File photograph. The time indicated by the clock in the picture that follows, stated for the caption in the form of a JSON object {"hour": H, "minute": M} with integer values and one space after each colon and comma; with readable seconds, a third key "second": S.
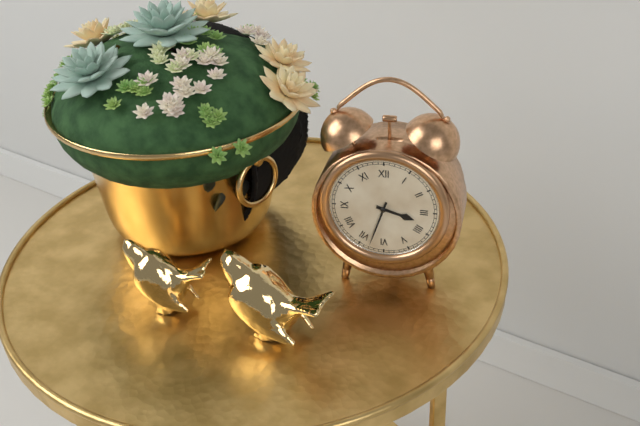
{"hour": 3, "minute": 33}
